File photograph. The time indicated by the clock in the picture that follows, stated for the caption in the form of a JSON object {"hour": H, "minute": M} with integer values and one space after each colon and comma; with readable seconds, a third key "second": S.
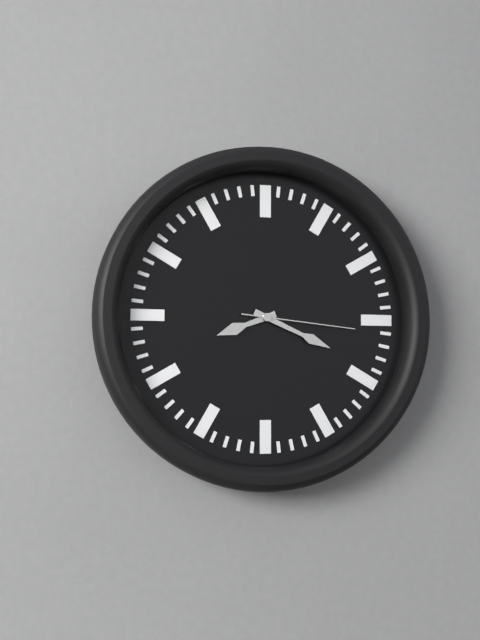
{"hour": 8, "minute": 19, "second": 16}
